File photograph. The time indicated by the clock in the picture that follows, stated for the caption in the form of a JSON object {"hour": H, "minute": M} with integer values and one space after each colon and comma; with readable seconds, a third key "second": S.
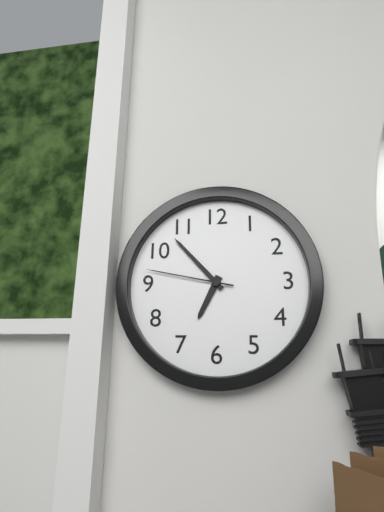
{"hour": 6, "minute": 53, "second": 47}
